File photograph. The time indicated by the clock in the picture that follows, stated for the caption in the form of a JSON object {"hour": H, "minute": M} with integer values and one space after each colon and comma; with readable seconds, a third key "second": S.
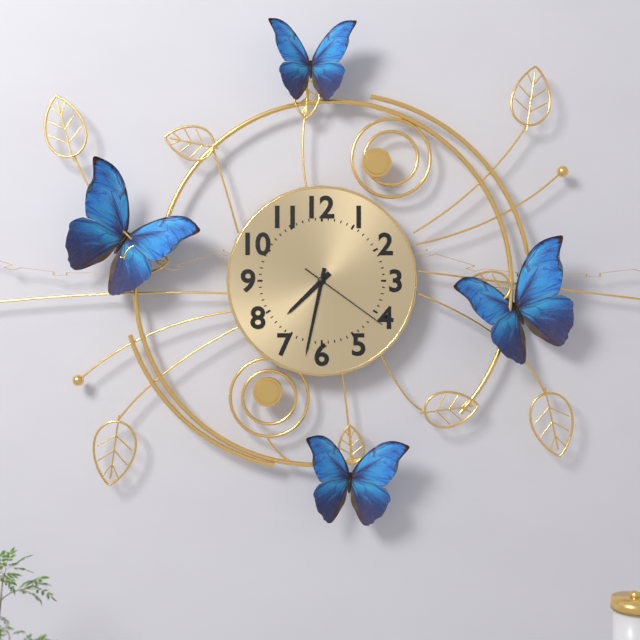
{"hour": 7, "minute": 32, "second": 21}
